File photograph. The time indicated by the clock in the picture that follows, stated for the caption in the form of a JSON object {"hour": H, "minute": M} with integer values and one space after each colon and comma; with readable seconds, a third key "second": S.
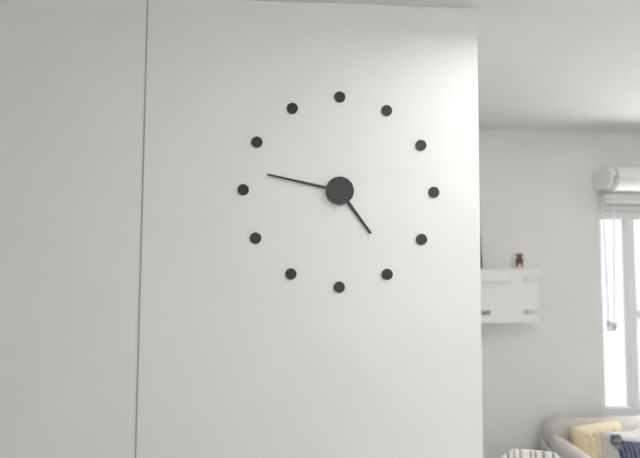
{"hour": 4, "minute": 47}
